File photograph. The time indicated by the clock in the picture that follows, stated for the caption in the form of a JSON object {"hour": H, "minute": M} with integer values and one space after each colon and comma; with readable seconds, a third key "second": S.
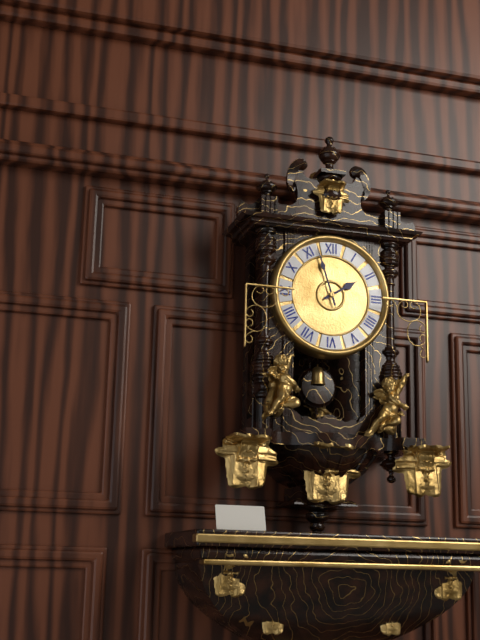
{"hour": 1, "minute": 57}
